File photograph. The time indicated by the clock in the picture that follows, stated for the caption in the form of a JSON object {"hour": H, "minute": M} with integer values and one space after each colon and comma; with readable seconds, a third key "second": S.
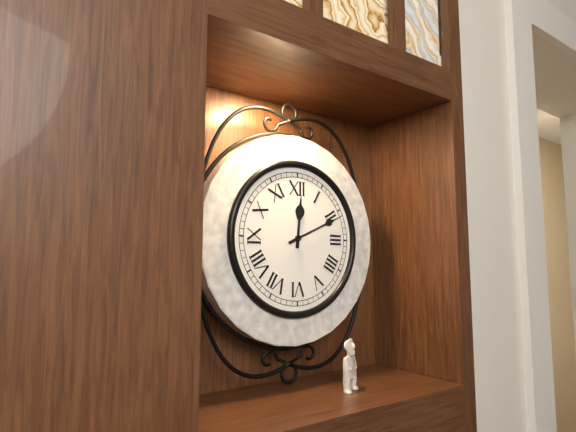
{"hour": 12, "minute": 11}
